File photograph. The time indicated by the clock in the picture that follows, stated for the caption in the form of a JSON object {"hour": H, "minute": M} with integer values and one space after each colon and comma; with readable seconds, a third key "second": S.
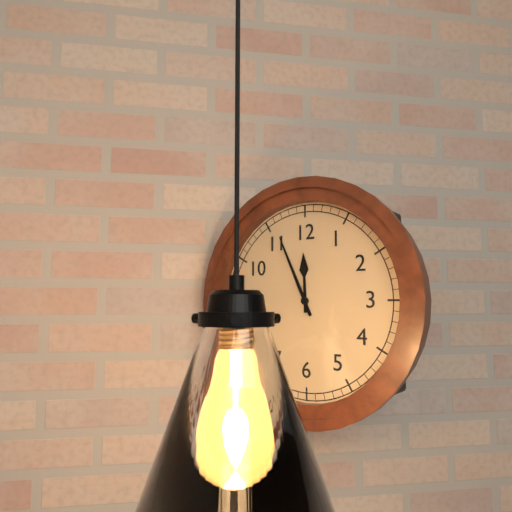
{"hour": 11, "minute": 56}
